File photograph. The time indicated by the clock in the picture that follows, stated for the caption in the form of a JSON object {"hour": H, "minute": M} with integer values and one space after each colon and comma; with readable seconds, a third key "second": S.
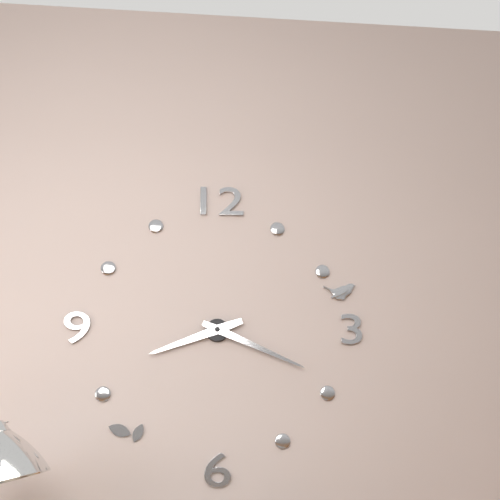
{"hour": 8, "minute": 19}
